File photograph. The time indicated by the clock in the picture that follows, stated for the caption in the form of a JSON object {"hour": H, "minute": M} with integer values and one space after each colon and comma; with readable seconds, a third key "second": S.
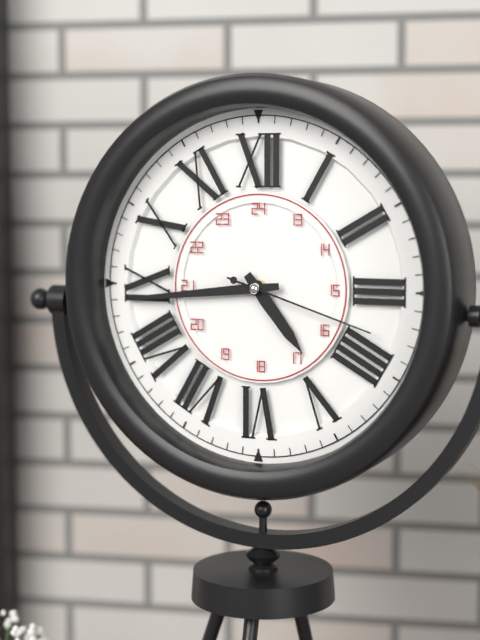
{"hour": 4, "minute": 44, "second": 18}
